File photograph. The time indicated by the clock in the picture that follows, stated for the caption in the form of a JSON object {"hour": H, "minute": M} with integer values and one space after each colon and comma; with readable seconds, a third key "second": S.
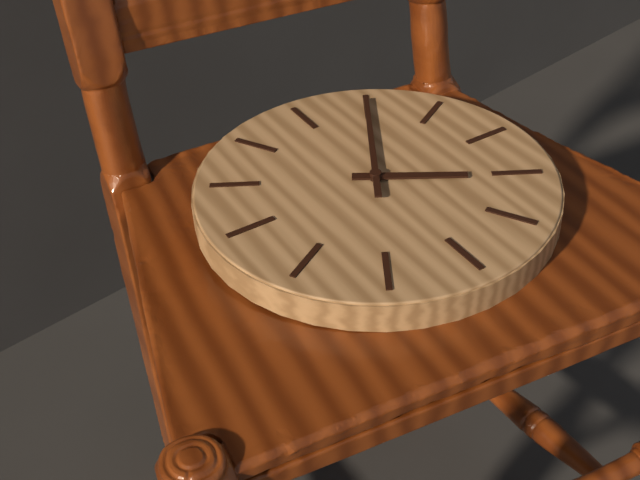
{"hour": 4, "minute": 5}
